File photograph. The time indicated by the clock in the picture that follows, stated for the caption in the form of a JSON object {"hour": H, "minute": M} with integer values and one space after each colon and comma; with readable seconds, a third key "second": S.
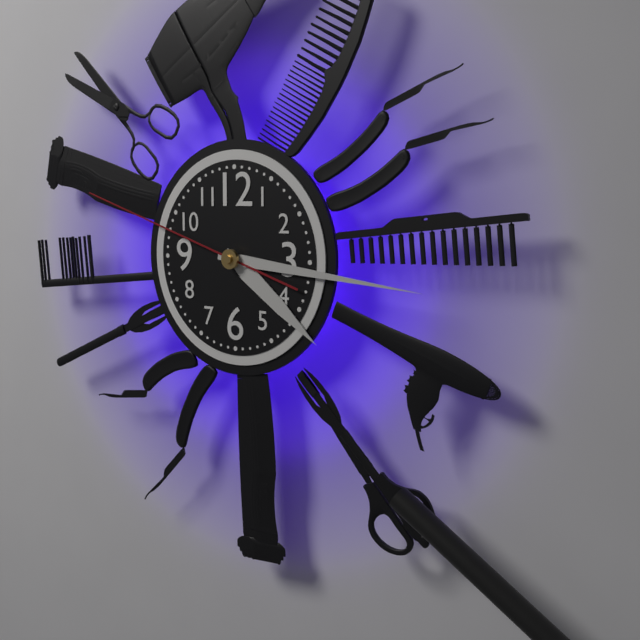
{"hour": 4, "minute": 16, "second": 48}
